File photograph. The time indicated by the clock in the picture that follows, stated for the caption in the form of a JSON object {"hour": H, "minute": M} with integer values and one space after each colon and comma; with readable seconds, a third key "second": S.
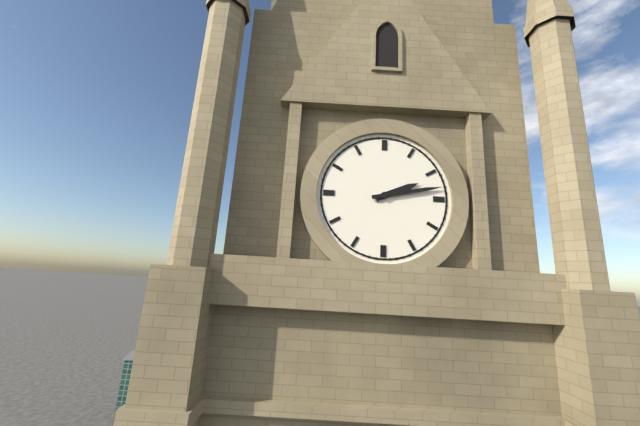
{"hour": 2, "minute": 13}
